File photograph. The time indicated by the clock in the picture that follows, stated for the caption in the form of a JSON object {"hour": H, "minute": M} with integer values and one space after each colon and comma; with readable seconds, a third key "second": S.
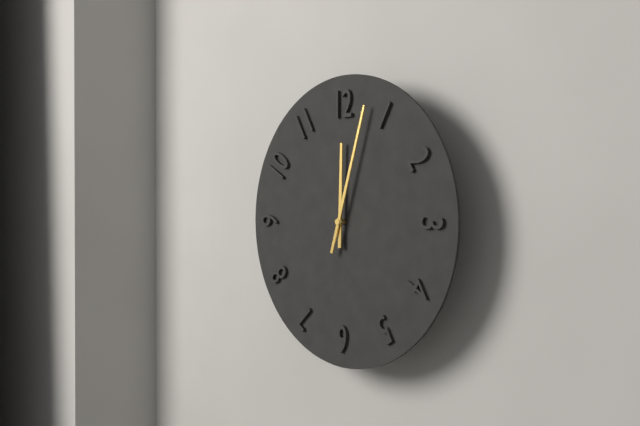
{"hour": 12, "minute": 3}
